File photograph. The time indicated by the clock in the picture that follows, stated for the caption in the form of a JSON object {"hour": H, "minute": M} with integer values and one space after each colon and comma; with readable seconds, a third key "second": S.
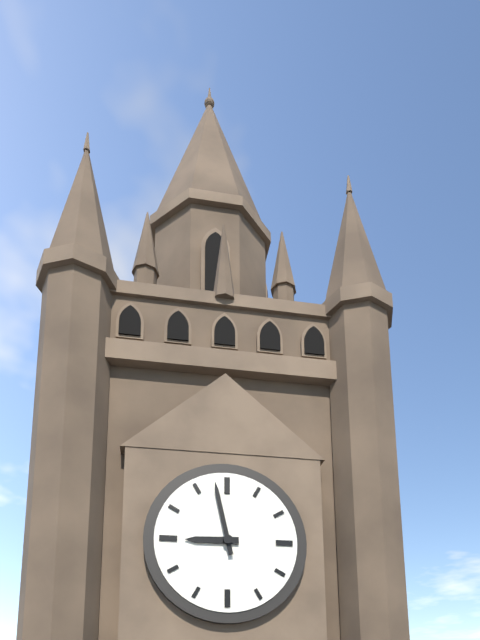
{"hour": 8, "minute": 58}
